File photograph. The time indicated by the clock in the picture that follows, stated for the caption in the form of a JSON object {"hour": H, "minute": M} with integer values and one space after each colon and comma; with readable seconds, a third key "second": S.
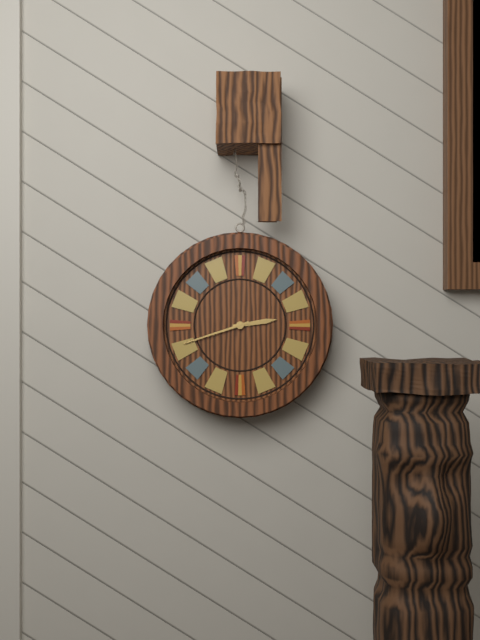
{"hour": 2, "minute": 42}
